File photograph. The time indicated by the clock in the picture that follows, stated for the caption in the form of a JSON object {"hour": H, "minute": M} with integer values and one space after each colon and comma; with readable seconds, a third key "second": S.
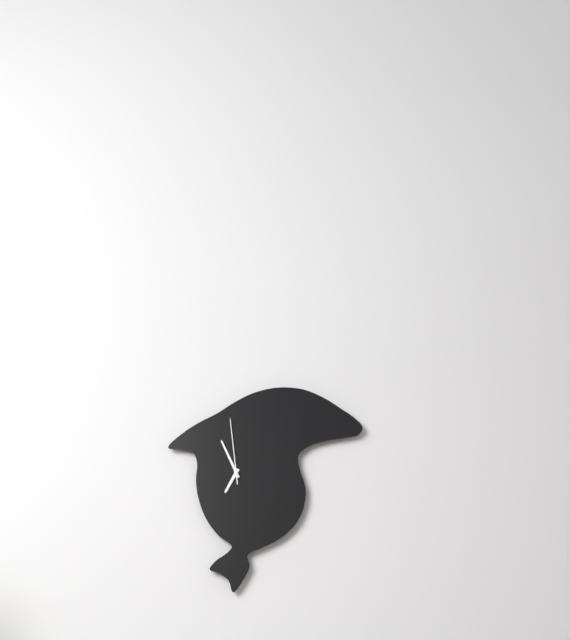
{"hour": 6, "minute": 56, "second": 59}
